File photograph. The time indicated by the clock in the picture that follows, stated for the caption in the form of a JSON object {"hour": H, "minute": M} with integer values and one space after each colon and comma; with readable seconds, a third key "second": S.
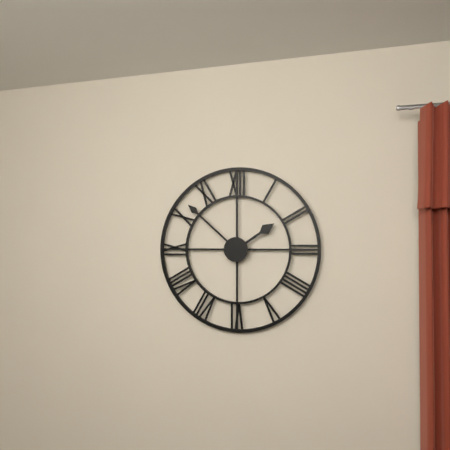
{"hour": 1, "minute": 52}
